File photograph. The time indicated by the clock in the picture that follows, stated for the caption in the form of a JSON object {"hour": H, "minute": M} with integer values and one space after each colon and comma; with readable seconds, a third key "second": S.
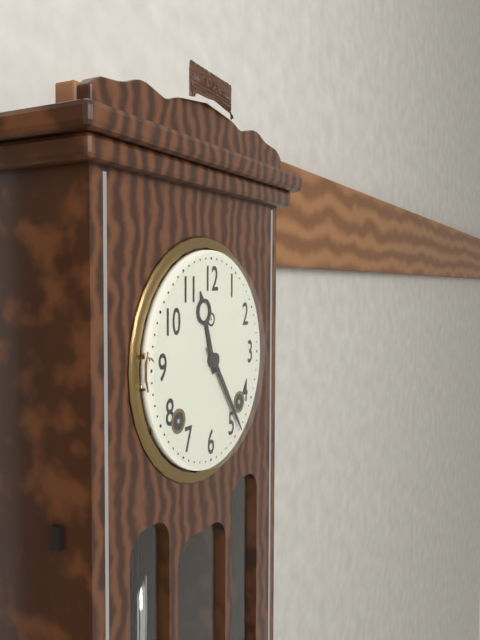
{"hour": 11, "minute": 24}
